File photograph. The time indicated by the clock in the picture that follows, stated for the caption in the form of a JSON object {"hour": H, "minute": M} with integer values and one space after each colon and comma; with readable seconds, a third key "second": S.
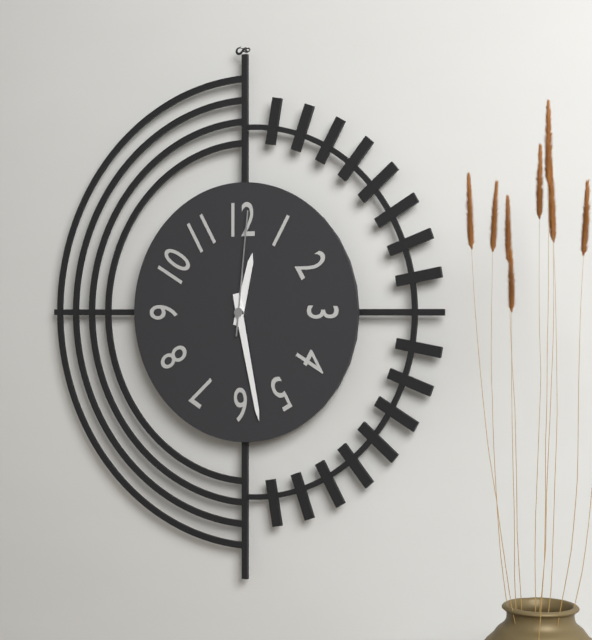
{"hour": 12, "minute": 28, "second": 1}
